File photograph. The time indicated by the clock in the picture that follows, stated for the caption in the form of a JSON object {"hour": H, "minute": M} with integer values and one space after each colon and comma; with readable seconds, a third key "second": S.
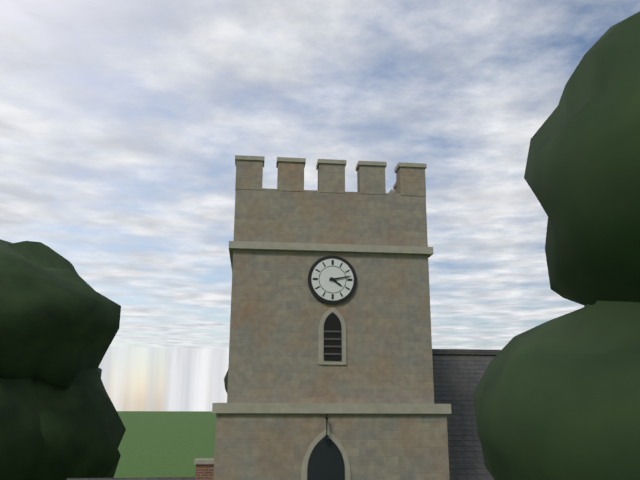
{"hour": 4, "minute": 13}
